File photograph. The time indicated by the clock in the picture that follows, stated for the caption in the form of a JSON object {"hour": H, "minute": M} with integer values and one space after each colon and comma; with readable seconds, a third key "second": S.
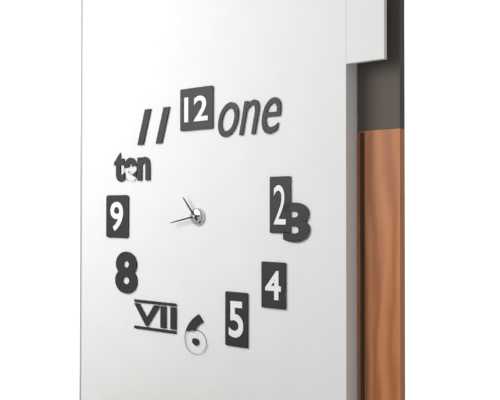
{"hour": 10, "minute": 43}
